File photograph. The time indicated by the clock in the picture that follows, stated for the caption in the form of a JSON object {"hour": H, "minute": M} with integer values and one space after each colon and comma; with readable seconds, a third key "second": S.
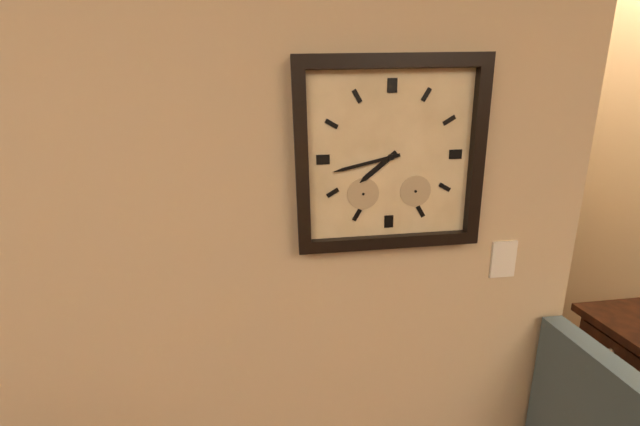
{"hour": 7, "minute": 43}
